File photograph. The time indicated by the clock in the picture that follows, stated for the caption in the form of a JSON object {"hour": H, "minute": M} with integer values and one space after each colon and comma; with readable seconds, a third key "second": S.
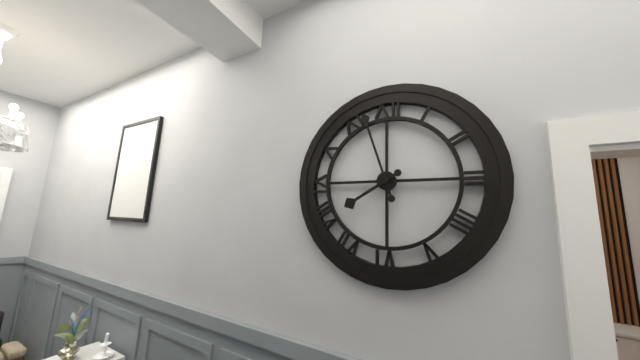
{"hour": 7, "minute": 57}
